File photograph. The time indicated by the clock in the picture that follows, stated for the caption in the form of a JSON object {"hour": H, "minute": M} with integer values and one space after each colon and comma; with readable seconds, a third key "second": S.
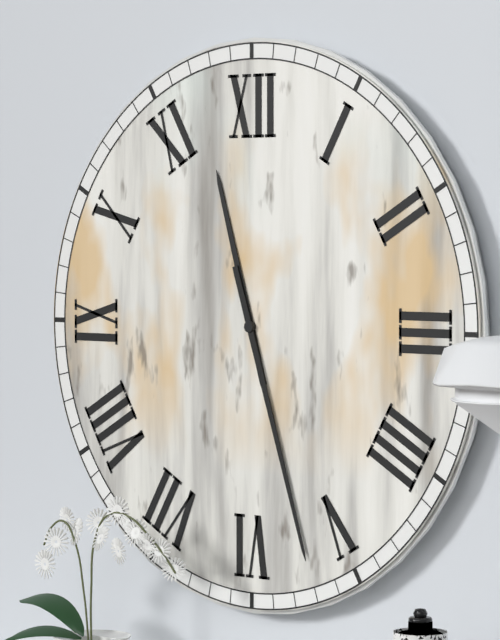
{"hour": 11, "minute": 27}
